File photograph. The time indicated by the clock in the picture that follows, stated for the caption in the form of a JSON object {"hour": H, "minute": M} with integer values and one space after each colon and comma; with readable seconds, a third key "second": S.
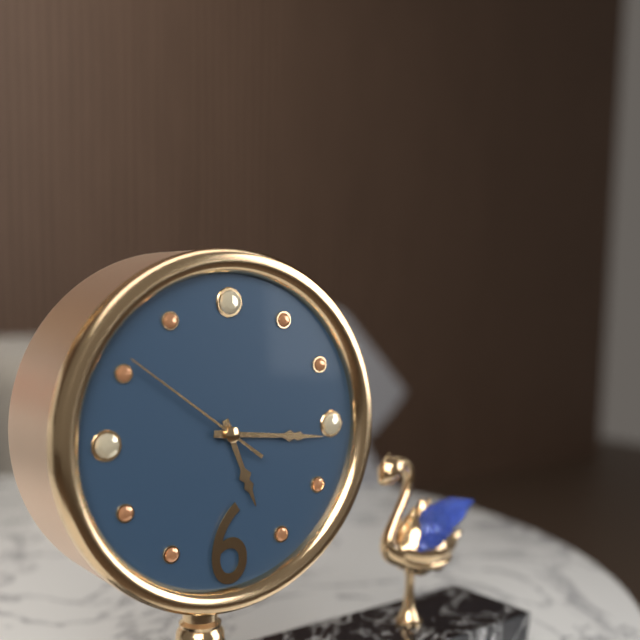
{"hour": 5, "minute": 16, "second": 51}
